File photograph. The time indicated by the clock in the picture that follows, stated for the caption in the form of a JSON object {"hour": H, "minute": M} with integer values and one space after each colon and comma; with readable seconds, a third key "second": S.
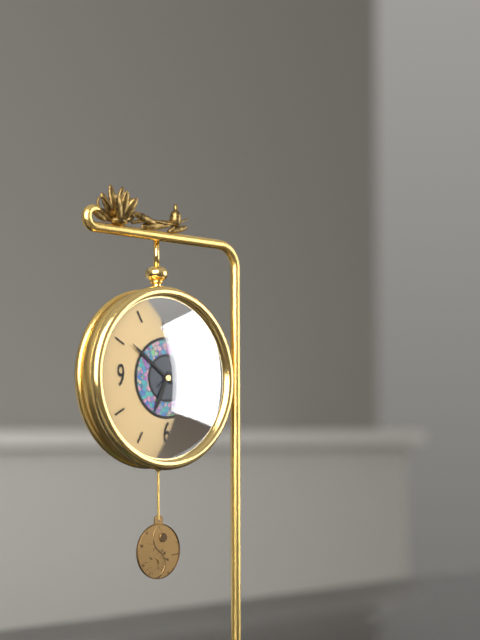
{"hour": 6, "minute": 51, "second": 8}
